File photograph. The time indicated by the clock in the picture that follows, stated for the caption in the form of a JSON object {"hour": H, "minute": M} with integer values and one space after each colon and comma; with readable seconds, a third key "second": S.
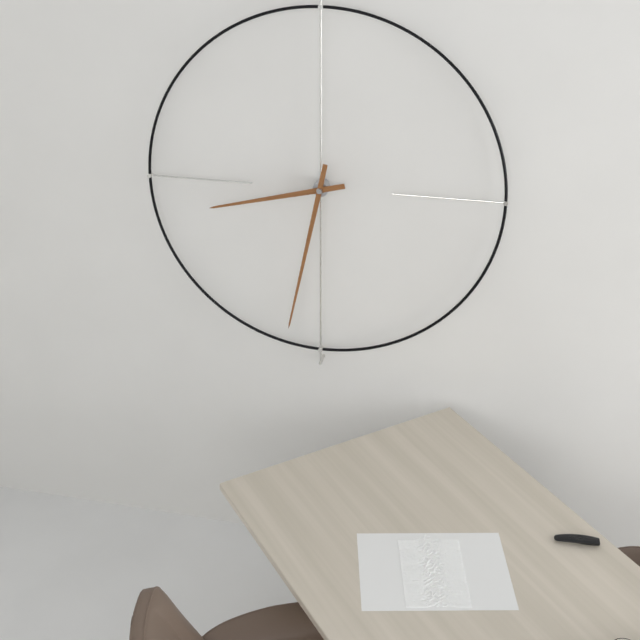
{"hour": 8, "minute": 32}
